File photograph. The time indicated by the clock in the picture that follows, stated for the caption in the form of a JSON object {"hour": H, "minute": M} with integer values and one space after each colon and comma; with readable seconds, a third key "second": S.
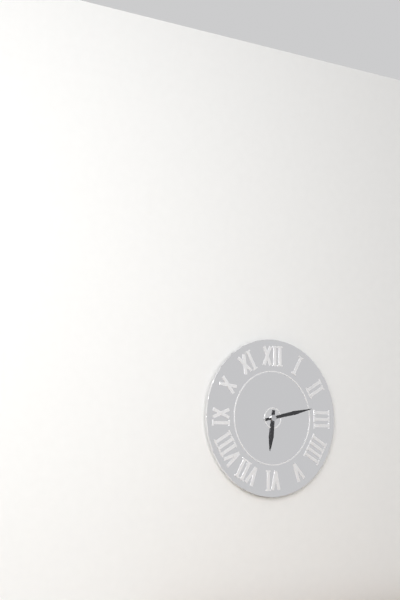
{"hour": 6, "minute": 13}
